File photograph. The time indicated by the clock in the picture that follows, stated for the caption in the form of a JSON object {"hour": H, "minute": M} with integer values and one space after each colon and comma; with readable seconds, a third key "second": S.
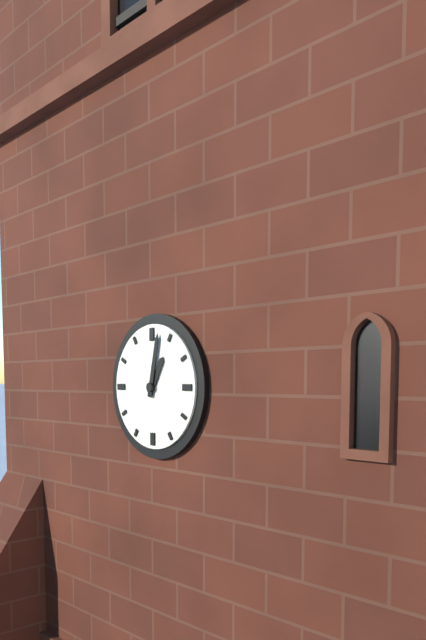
{"hour": 1, "minute": 2}
